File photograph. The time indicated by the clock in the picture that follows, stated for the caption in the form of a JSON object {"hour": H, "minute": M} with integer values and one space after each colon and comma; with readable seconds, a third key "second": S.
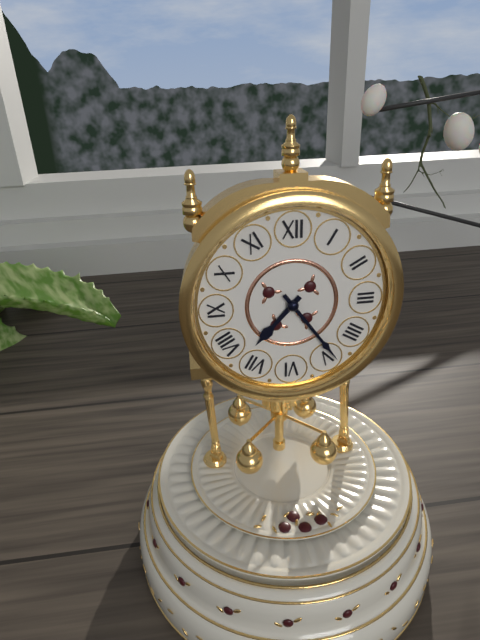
{"hour": 7, "minute": 24}
